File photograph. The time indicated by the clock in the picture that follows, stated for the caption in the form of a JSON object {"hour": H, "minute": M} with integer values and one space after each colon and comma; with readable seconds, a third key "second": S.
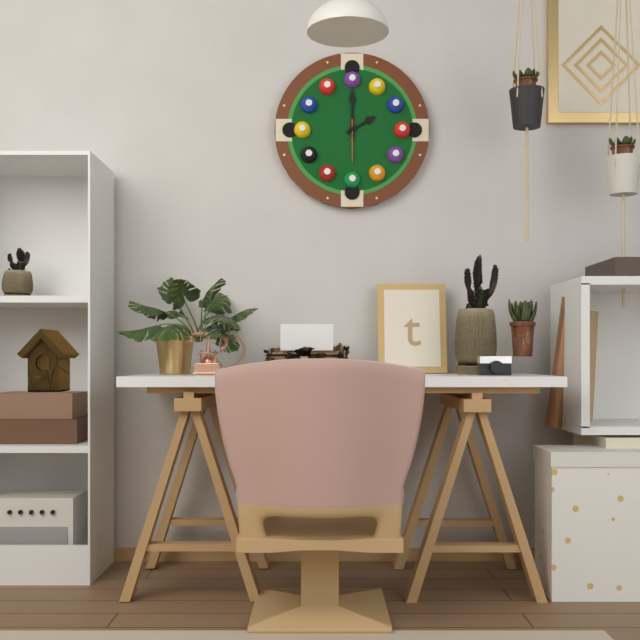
{"hour": 2, "minute": 0}
